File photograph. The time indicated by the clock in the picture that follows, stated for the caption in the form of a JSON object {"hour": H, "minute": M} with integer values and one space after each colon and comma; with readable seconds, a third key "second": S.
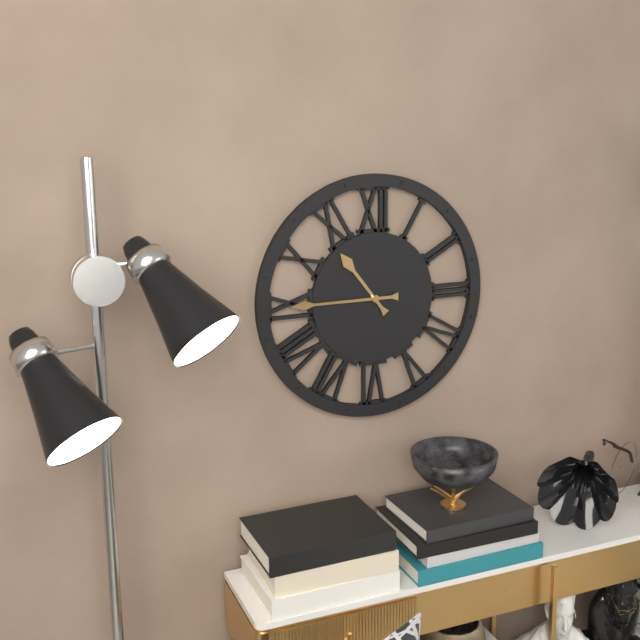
{"hour": 10, "minute": 45}
